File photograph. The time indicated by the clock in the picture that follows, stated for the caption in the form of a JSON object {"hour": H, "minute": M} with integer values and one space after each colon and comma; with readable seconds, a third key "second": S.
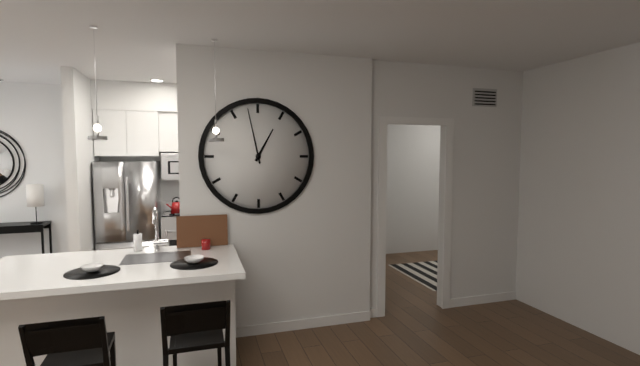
{"hour": 12, "minute": 58}
